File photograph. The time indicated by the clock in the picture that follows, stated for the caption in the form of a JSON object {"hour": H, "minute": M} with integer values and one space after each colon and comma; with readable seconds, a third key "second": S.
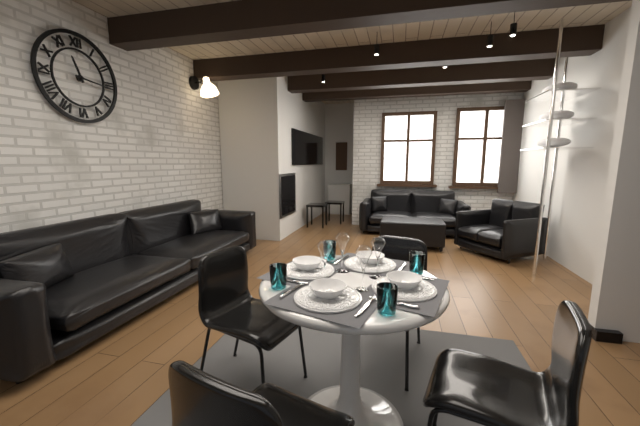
{"hour": 11, "minute": 16}
